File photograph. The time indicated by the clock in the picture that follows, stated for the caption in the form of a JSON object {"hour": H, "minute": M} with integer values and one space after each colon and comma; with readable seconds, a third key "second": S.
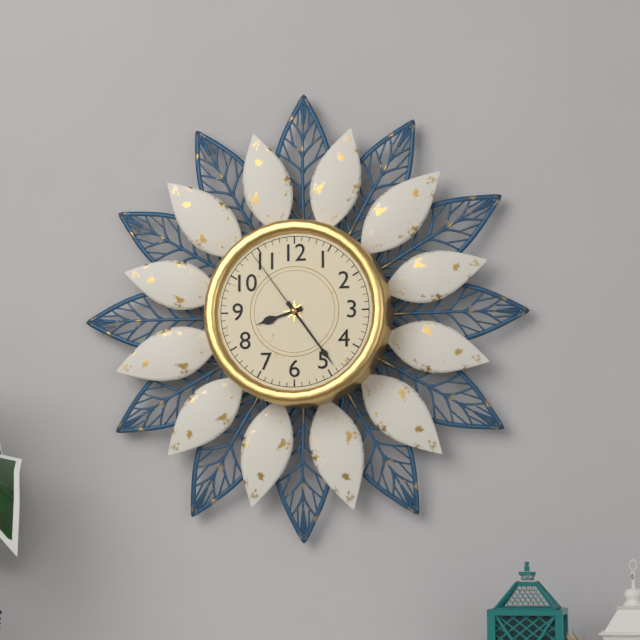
{"hour": 8, "minute": 24, "second": 54}
